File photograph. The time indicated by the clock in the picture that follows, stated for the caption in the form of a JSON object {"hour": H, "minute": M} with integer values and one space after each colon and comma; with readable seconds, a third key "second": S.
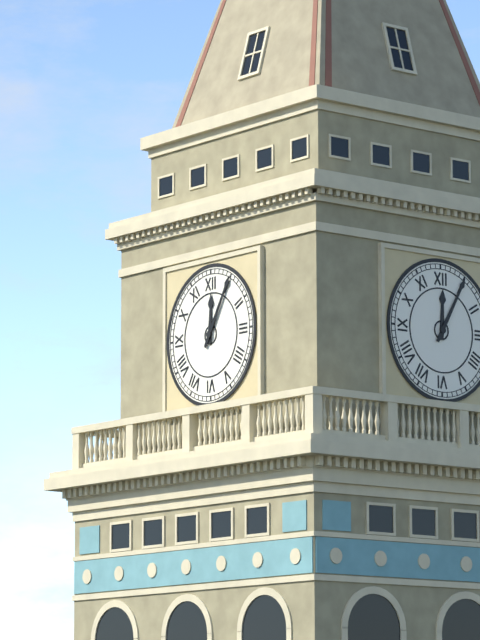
{"hour": 12, "minute": 5}
